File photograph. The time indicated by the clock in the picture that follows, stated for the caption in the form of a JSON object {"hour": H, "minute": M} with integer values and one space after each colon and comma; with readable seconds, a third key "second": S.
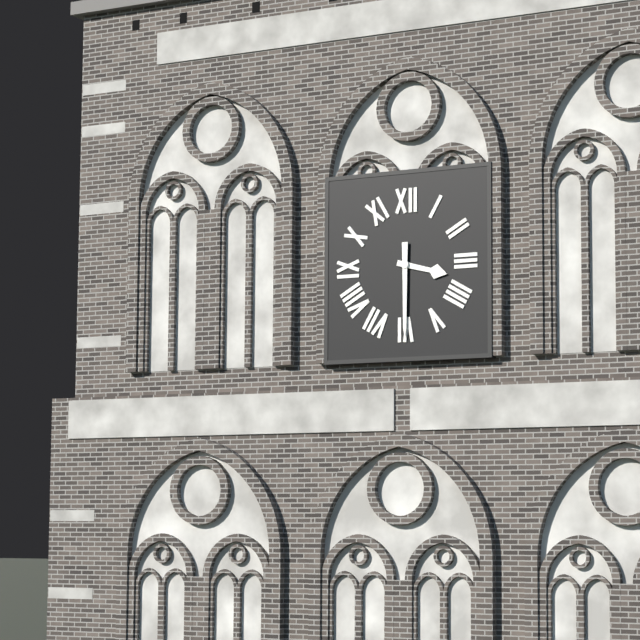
{"hour": 3, "minute": 30}
